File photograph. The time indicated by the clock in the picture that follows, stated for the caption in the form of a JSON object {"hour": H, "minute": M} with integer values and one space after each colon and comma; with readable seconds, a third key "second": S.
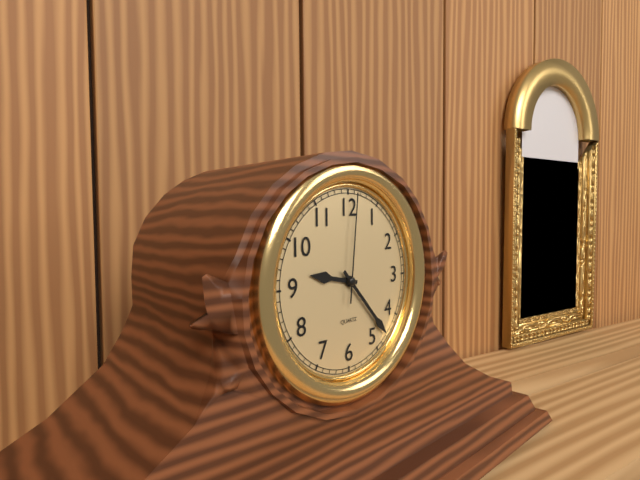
{"hour": 9, "minute": 23, "second": 1}
